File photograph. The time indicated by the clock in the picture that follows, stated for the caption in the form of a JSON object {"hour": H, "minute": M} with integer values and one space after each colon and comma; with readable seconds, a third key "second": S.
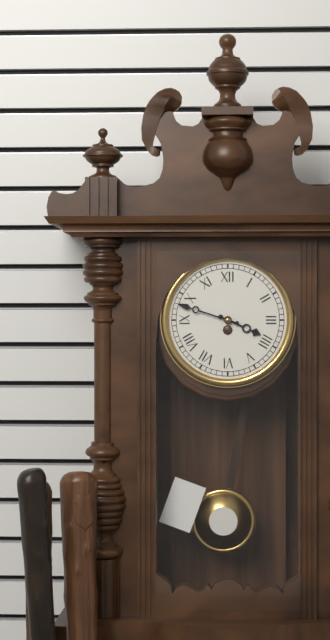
{"hour": 3, "minute": 48}
